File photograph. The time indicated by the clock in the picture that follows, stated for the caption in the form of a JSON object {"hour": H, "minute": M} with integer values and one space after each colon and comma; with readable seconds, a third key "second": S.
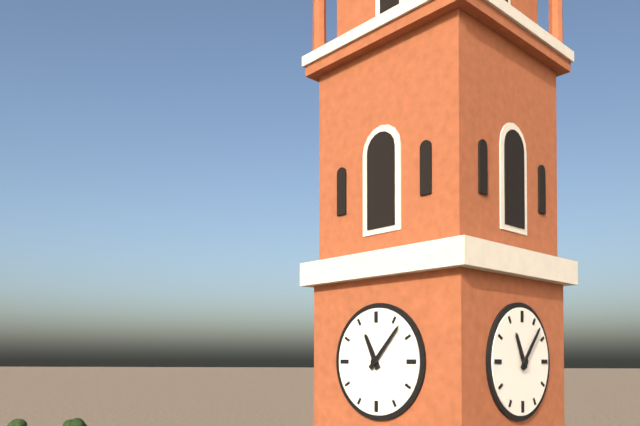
{"hour": 11, "minute": 7}
